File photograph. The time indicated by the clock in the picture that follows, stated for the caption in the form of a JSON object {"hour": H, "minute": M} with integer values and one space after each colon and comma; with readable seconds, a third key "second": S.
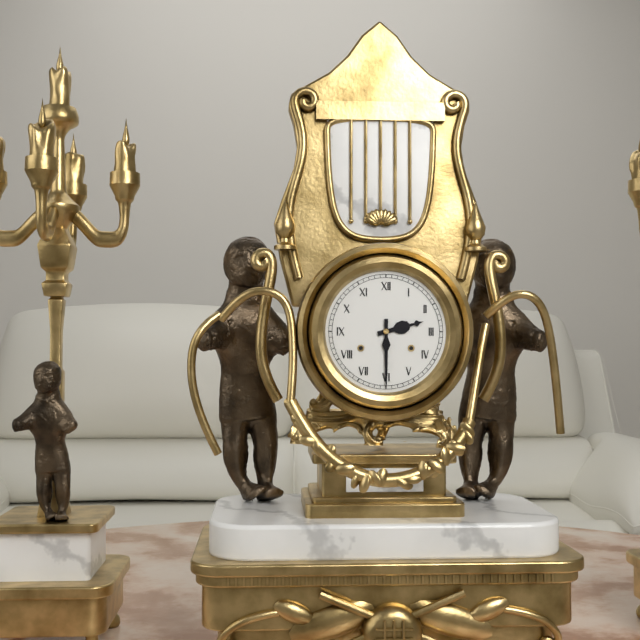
{"hour": 2, "minute": 30}
